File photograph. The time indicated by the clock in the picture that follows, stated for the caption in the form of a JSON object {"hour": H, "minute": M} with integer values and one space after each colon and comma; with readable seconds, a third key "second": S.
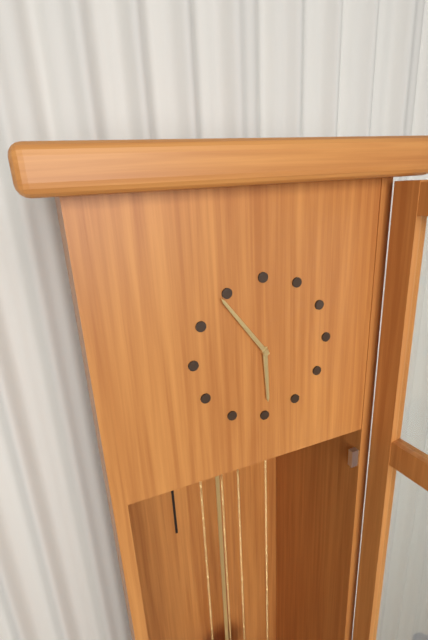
{"hour": 5, "minute": 54}
